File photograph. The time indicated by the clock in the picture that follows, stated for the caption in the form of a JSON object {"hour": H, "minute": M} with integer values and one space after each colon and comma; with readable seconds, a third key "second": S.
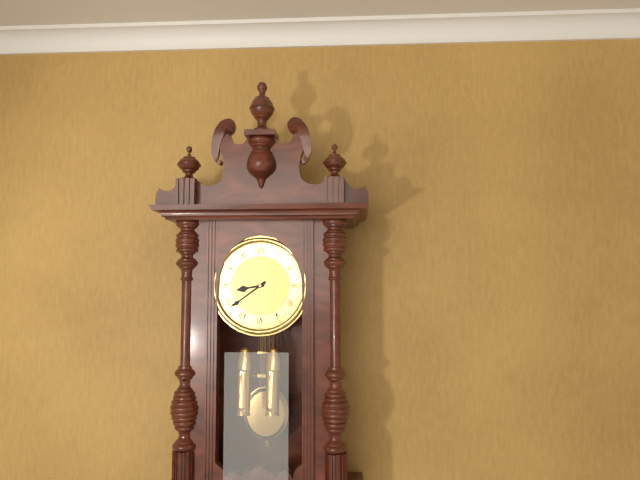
{"hour": 8, "minute": 39}
